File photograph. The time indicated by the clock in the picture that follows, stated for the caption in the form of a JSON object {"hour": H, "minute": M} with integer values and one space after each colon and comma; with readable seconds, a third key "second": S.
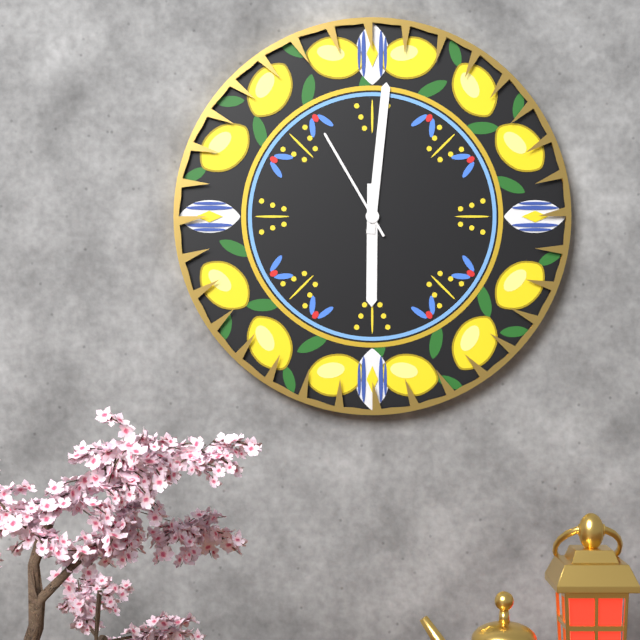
{"hour": 6, "minute": 1, "second": 55}
